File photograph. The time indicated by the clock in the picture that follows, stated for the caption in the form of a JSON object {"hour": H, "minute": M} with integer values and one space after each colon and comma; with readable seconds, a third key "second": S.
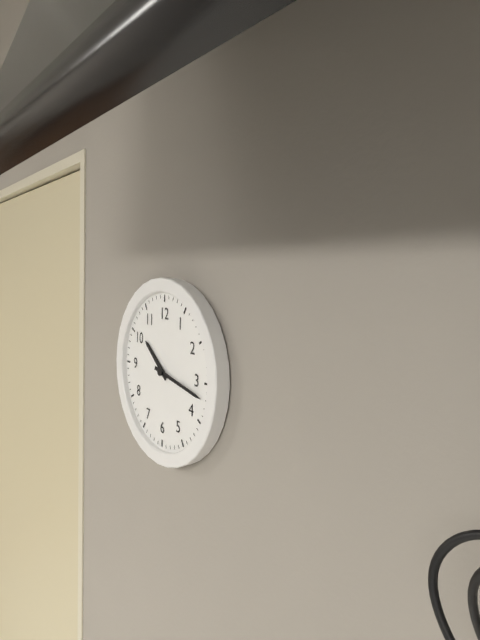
{"hour": 10, "minute": 17}
